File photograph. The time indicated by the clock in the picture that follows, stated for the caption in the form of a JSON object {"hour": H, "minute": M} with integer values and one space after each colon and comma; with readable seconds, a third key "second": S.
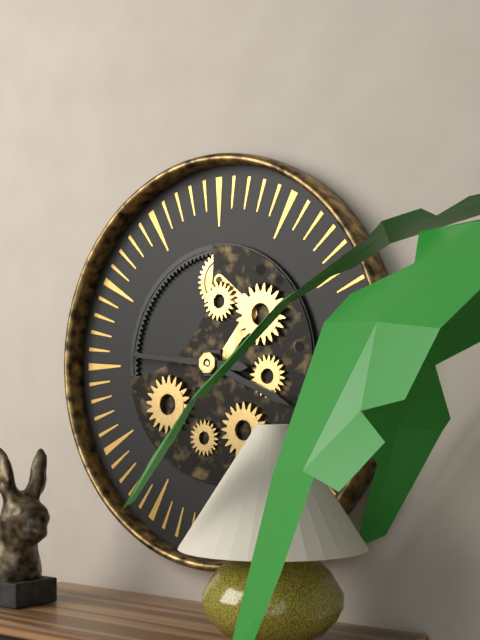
{"hour": 3, "minute": 46}
